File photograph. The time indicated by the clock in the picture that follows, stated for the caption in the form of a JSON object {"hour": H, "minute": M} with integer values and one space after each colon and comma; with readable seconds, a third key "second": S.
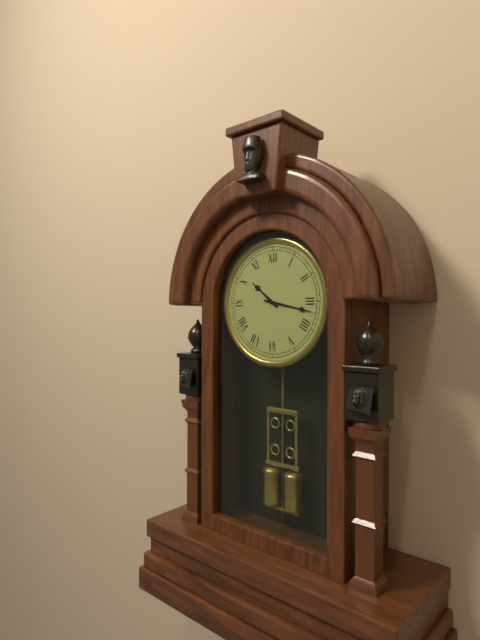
{"hour": 10, "minute": 17}
